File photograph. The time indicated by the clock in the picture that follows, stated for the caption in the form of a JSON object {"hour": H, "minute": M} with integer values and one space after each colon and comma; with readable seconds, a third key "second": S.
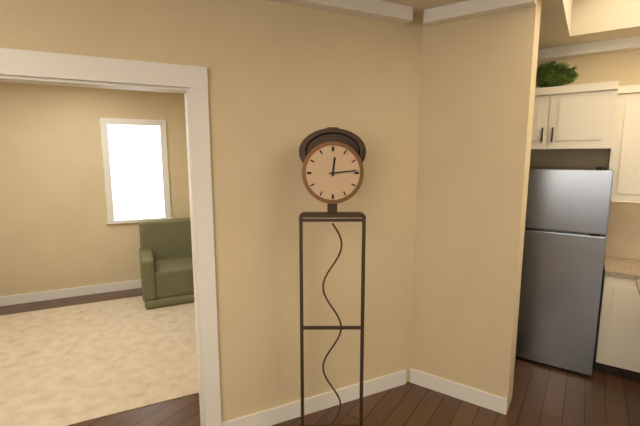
{"hour": 12, "minute": 14}
